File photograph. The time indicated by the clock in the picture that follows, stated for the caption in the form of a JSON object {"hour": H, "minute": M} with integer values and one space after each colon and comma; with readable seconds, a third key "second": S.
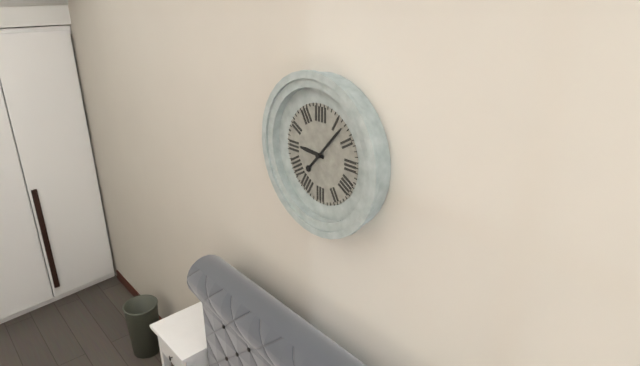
{"hour": 9, "minute": 7}
